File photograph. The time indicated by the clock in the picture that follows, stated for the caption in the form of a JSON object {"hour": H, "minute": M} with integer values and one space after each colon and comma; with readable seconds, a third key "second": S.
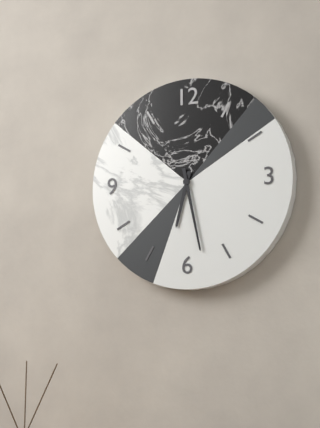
{"hour": 6, "minute": 28}
